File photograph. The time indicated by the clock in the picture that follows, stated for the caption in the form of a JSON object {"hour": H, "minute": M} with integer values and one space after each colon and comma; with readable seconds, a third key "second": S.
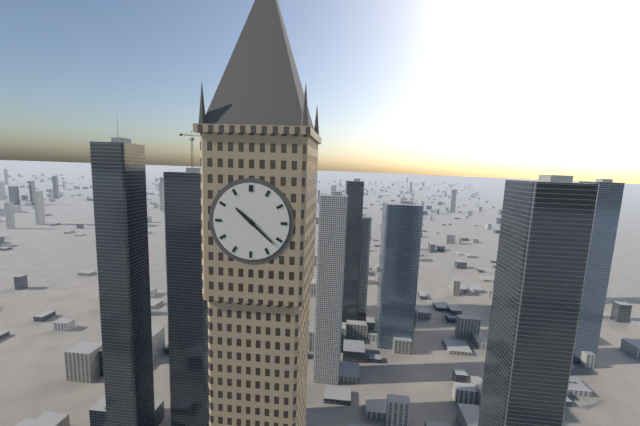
{"hour": 10, "minute": 22}
